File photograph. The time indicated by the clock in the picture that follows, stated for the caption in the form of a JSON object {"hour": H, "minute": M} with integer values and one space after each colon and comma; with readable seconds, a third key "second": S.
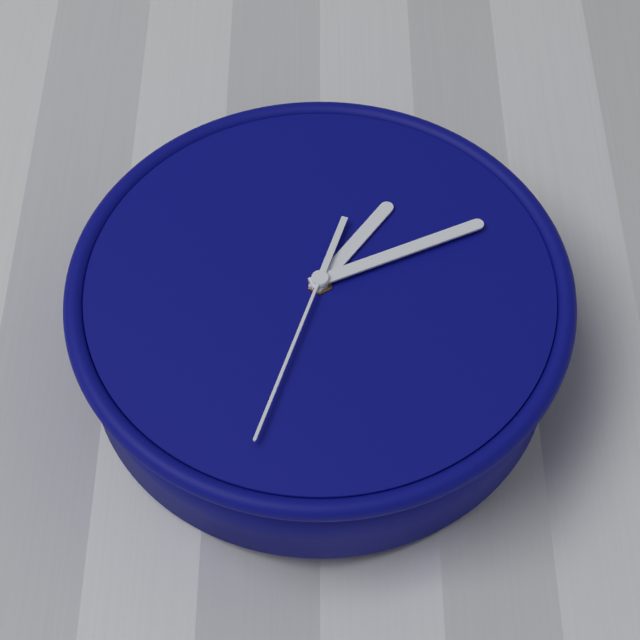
{"hour": 1, "minute": 11, "second": 33}
